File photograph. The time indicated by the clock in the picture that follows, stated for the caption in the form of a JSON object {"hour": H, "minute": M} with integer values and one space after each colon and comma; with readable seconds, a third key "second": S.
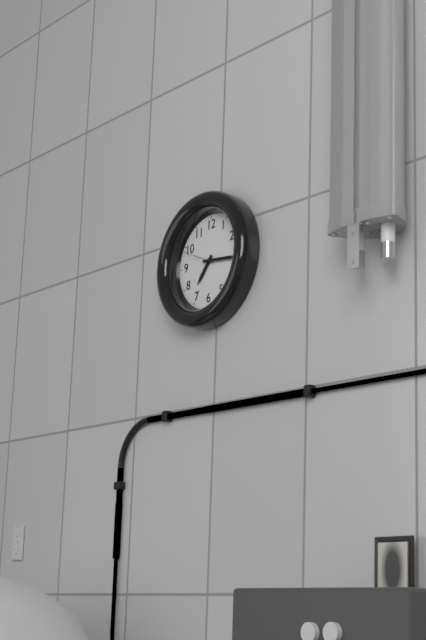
{"hour": 7, "minute": 16}
